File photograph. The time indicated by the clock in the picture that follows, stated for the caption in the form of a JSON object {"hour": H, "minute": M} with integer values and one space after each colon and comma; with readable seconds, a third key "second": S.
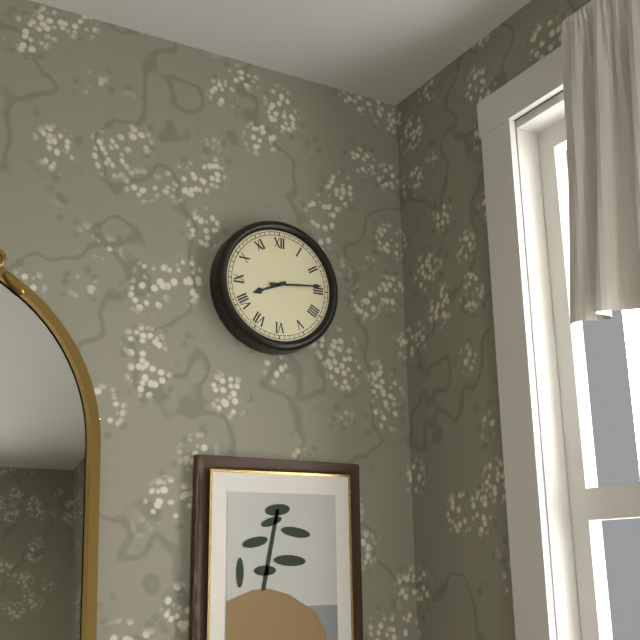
{"hour": 8, "minute": 14}
